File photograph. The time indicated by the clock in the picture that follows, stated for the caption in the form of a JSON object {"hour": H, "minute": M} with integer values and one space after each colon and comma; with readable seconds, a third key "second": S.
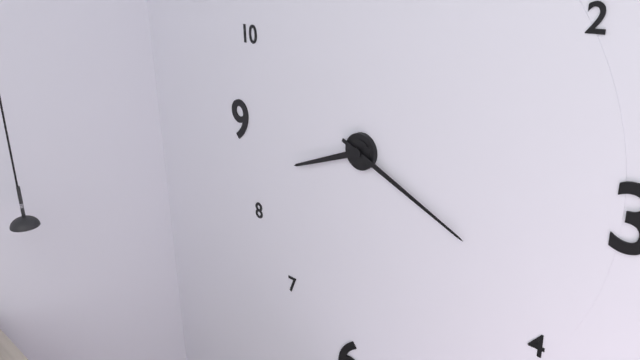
{"hour": 8, "minute": 19}
